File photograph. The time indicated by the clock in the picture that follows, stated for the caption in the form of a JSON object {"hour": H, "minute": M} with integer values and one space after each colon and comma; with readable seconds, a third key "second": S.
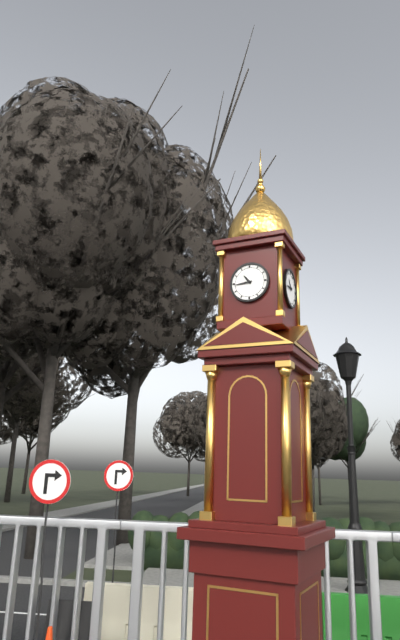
{"hour": 10, "minute": 44}
